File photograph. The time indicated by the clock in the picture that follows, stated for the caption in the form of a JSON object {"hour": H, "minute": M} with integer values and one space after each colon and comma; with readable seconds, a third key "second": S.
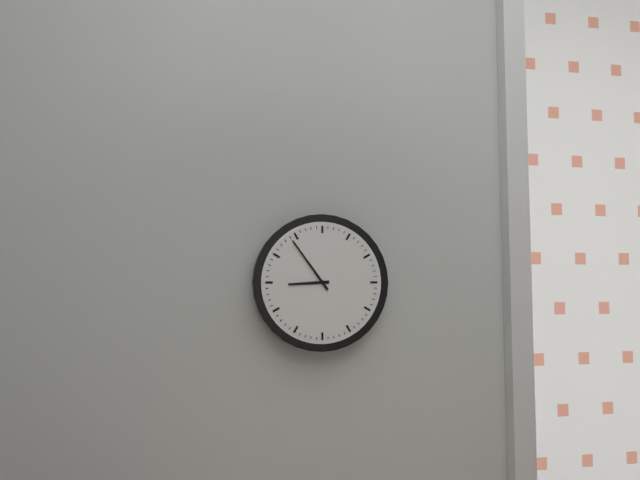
{"hour": 8, "minute": 54}
